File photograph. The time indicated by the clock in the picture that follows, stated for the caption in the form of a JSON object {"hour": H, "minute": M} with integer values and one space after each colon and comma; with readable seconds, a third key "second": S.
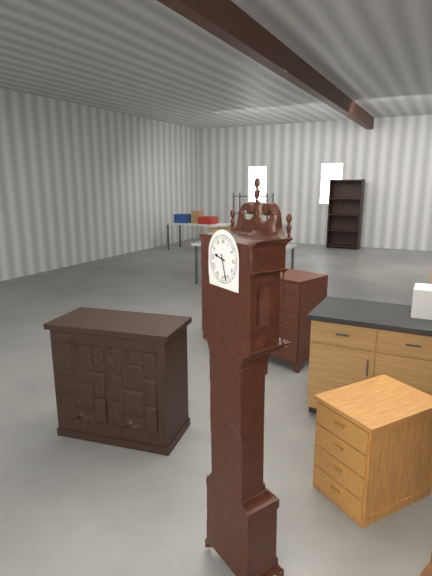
{"hour": 9, "minute": 27}
